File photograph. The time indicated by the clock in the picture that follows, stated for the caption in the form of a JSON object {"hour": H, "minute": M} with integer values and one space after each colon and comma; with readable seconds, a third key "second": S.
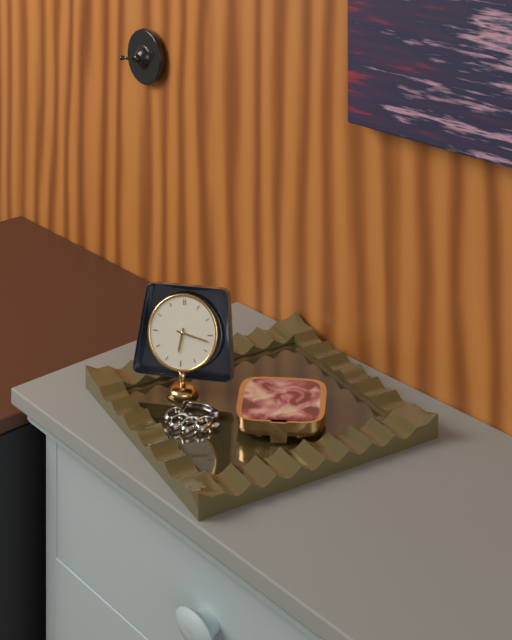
{"hour": 6, "minute": 17}
